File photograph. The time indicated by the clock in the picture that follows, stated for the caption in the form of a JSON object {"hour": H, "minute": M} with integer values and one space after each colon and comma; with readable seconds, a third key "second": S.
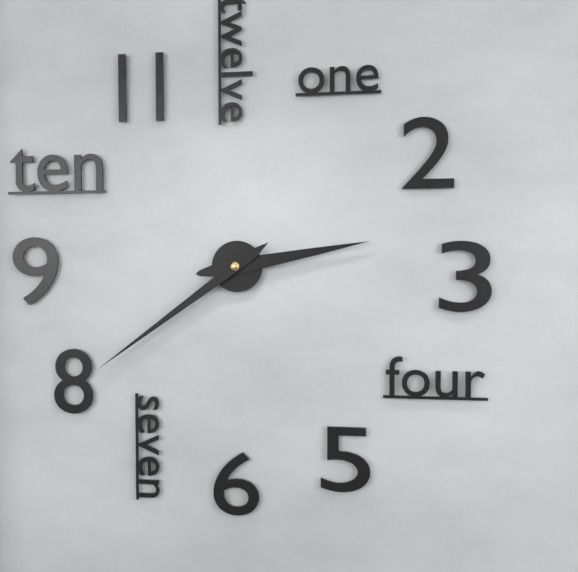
{"hour": 2, "minute": 39}
